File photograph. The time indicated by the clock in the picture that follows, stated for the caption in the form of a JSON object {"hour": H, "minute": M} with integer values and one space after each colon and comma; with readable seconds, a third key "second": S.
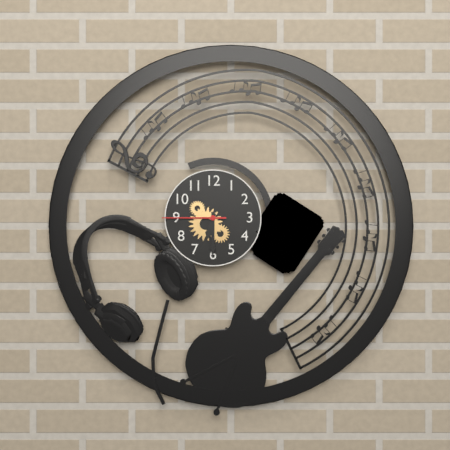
{"hour": 6, "minute": 30, "second": 45}
